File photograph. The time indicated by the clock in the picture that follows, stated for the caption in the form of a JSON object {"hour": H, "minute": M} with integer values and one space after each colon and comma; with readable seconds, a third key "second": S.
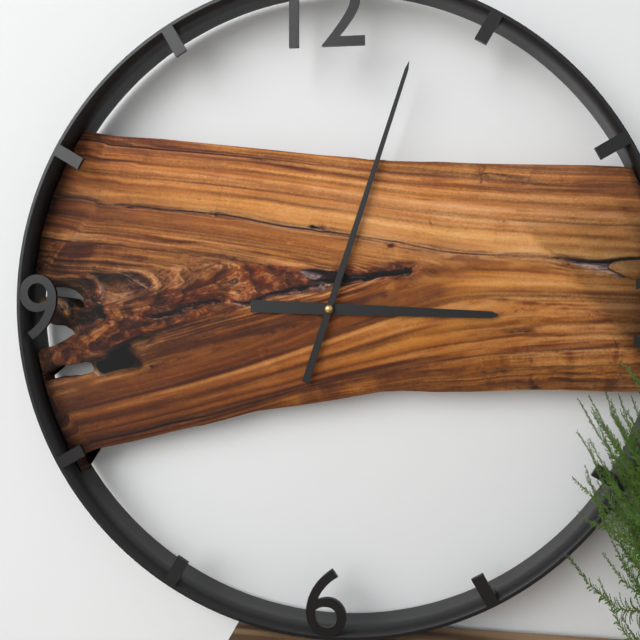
{"hour": 3, "minute": 3}
